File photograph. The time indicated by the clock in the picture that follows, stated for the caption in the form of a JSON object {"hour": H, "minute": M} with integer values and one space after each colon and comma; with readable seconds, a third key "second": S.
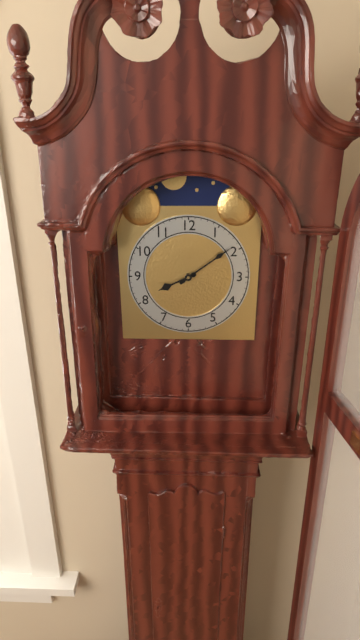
{"hour": 8, "minute": 9}
